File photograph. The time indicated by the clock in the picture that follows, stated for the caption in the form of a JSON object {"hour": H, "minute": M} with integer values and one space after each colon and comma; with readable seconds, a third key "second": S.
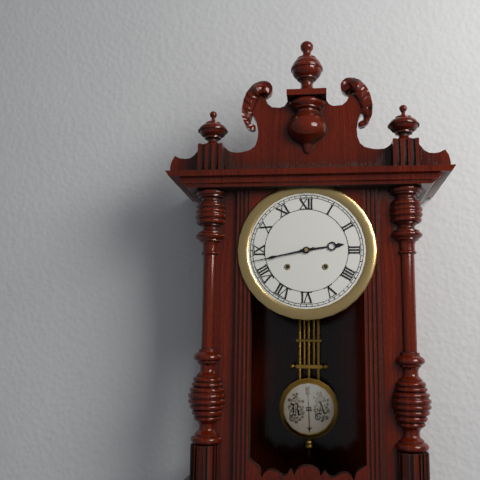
{"hour": 2, "minute": 43}
